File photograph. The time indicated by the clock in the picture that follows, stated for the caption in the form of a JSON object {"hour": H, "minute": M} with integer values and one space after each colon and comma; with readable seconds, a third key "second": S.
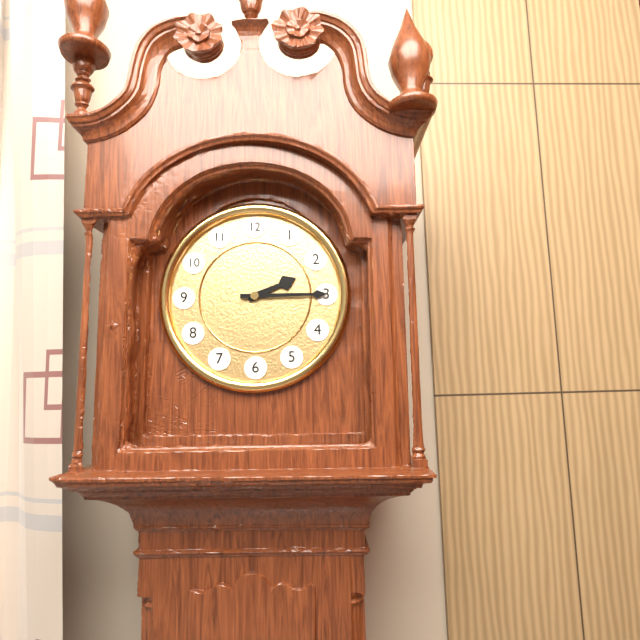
{"hour": 2, "minute": 15}
